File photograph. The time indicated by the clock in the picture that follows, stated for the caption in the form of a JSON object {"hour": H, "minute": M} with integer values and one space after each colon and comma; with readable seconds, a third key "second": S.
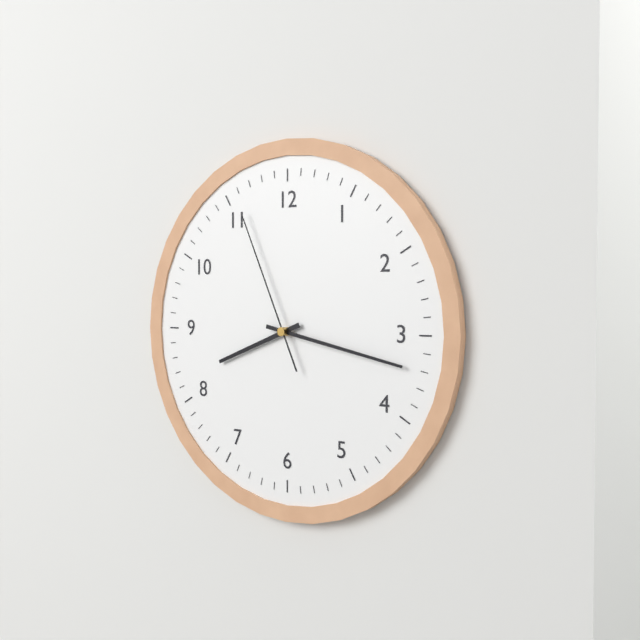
{"hour": 8, "minute": 17, "second": 56}
